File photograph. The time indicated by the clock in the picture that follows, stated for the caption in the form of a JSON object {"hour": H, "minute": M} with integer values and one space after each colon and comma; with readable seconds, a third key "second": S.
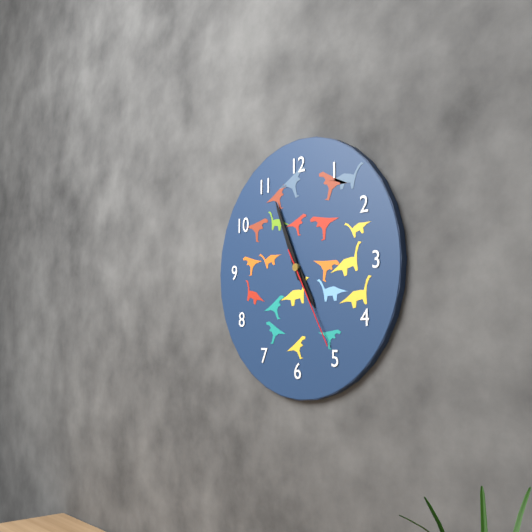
{"hour": 4, "minute": 56, "second": 25}
